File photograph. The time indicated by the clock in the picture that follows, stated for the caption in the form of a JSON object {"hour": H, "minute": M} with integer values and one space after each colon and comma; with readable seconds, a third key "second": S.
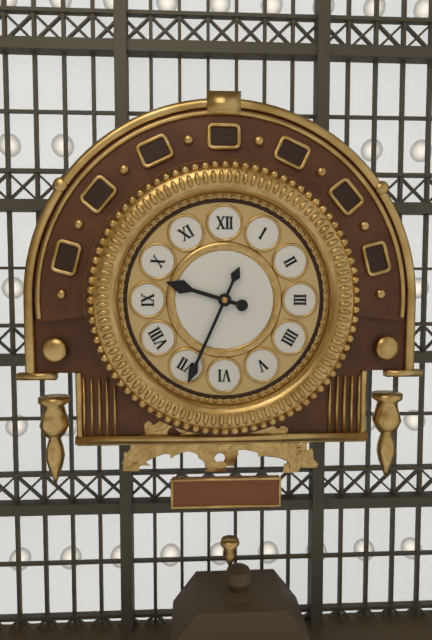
{"hour": 9, "minute": 34}
